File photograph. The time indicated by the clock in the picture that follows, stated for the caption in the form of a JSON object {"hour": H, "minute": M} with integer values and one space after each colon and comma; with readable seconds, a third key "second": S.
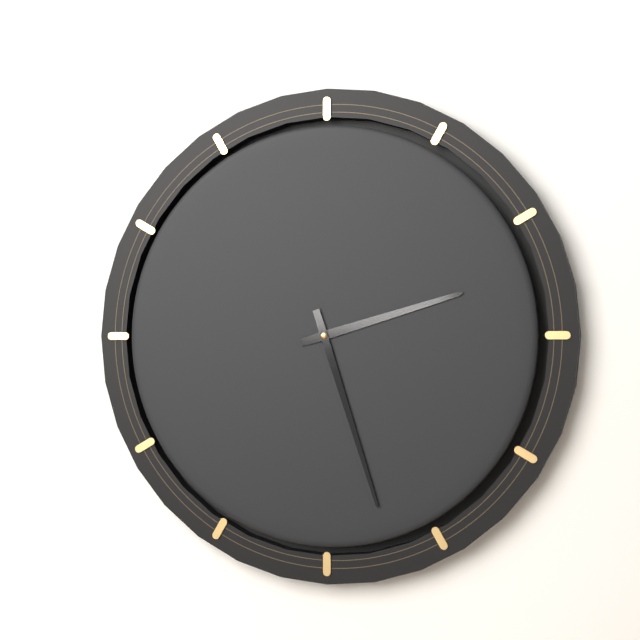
{"hour": 2, "minute": 27}
